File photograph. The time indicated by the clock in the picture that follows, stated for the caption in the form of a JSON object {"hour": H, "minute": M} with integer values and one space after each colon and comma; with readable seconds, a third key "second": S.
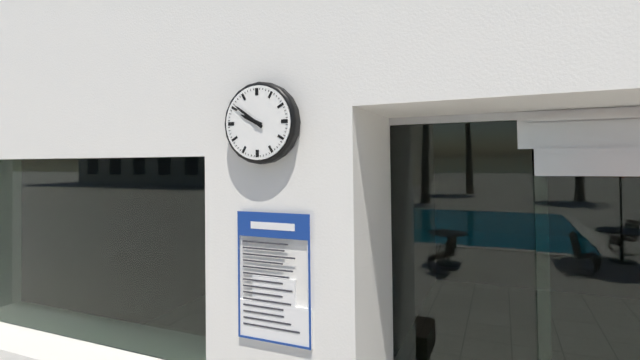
{"hour": 9, "minute": 51}
